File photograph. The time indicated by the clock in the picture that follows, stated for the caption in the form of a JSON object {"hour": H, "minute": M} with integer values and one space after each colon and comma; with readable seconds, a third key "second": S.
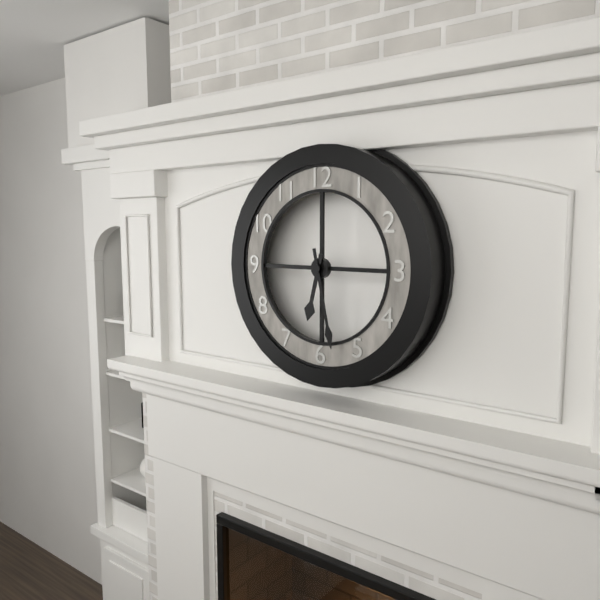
{"hour": 6, "minute": 28}
